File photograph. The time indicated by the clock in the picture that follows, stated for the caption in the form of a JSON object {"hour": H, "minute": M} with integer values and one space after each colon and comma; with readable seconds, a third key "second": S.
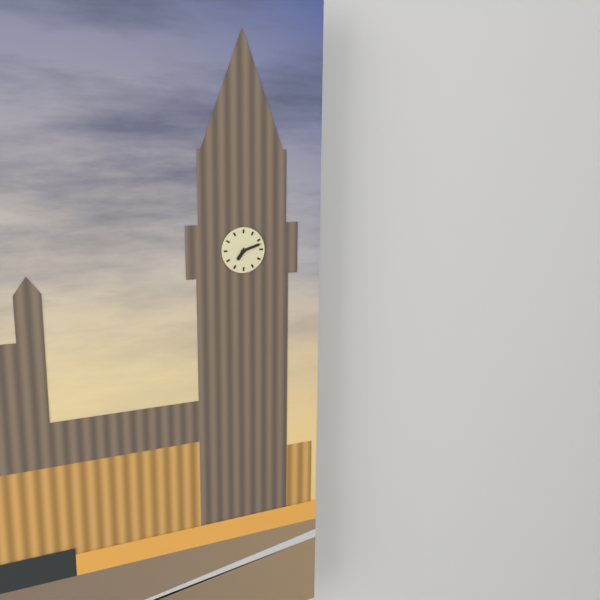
{"hour": 7, "minute": 12}
